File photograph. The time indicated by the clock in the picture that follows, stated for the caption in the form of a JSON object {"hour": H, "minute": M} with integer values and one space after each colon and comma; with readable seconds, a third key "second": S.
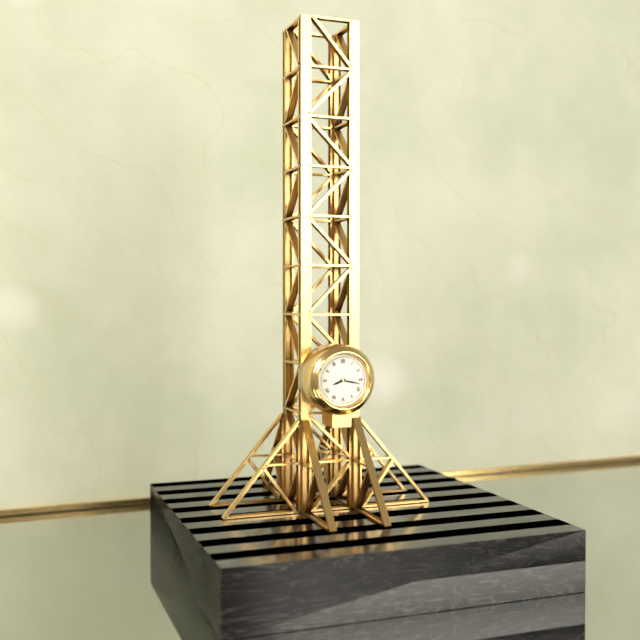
{"hour": 8, "minute": 17}
